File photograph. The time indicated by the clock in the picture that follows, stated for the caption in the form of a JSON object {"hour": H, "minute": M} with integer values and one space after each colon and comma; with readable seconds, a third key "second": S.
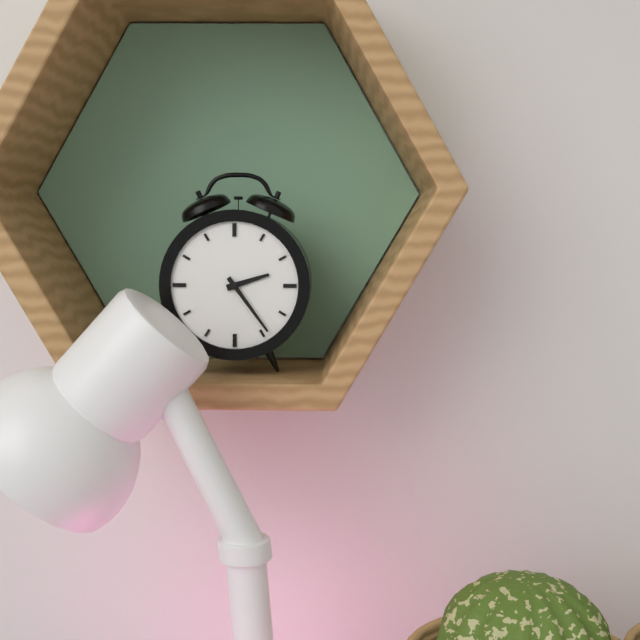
{"hour": 2, "minute": 24}
